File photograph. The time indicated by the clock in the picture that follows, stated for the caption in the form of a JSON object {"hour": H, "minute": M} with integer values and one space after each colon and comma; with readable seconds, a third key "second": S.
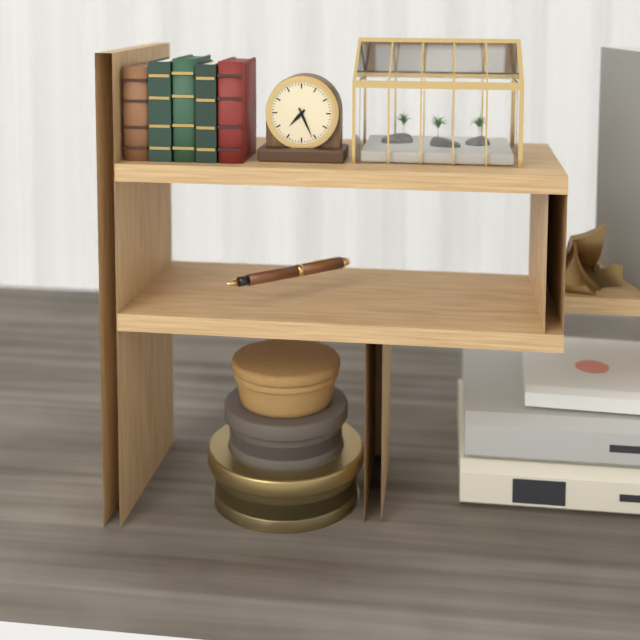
{"hour": 7, "minute": 26}
